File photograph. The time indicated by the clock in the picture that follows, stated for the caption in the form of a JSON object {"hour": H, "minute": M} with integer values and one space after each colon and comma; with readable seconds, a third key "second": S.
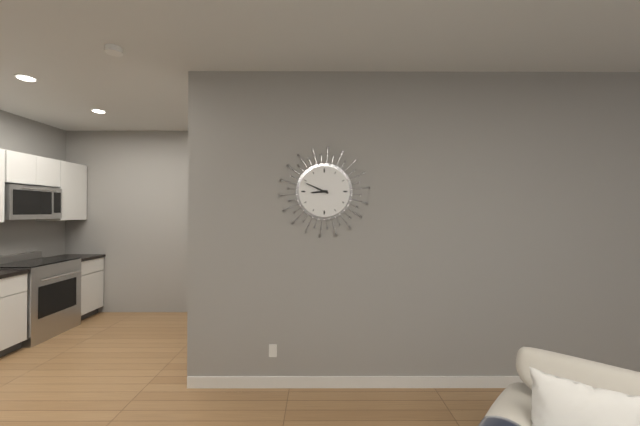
{"hour": 8, "minute": 49}
